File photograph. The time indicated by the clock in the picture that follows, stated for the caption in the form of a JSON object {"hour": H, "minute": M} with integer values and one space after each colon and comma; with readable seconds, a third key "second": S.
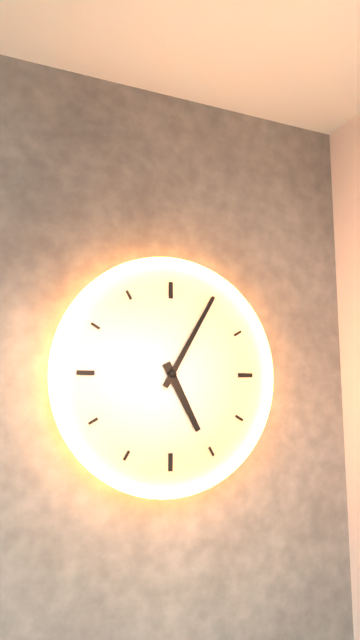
{"hour": 5, "minute": 5}
